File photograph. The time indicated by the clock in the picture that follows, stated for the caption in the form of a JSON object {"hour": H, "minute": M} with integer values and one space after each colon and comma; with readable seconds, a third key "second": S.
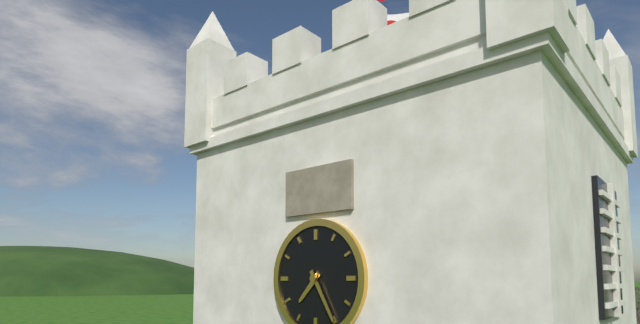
{"hour": 7, "minute": 25}
